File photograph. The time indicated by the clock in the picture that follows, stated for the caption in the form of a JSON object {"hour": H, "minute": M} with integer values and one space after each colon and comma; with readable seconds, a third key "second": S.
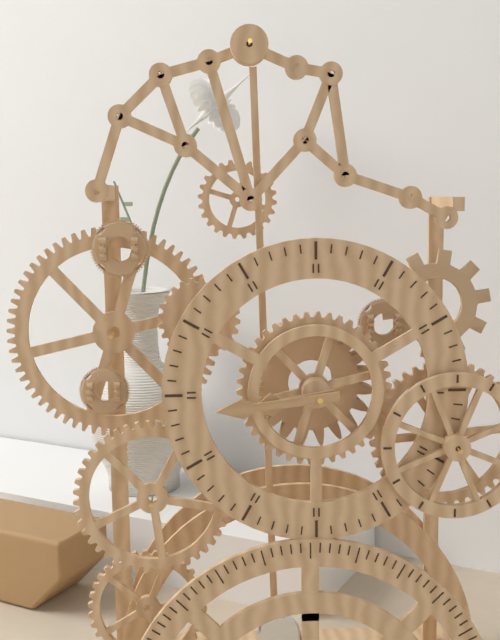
{"hour": 8, "minute": 44}
